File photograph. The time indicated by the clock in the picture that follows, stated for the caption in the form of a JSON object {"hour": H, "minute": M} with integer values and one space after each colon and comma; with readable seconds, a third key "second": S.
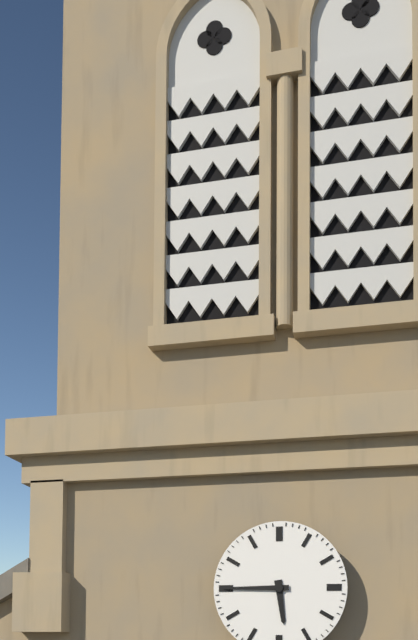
{"hour": 5, "minute": 45}
